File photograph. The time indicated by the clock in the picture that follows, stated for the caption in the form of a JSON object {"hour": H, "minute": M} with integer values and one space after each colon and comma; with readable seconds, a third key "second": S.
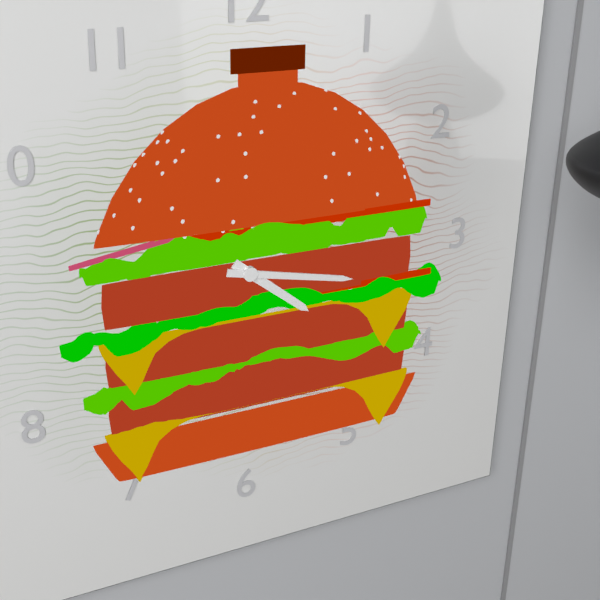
{"hour": 4, "minute": 17}
